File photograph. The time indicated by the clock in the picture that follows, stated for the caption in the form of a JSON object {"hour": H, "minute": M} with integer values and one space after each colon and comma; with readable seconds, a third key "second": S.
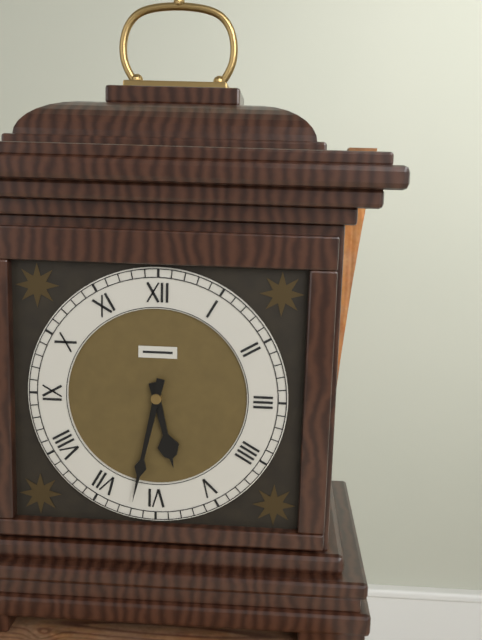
{"hour": 5, "minute": 32}
